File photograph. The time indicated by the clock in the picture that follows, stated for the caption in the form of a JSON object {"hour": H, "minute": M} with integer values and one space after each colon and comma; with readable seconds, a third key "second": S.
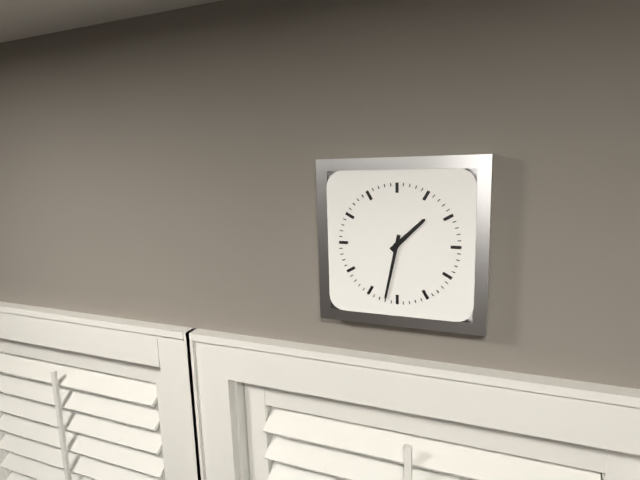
{"hour": 1, "minute": 32}
